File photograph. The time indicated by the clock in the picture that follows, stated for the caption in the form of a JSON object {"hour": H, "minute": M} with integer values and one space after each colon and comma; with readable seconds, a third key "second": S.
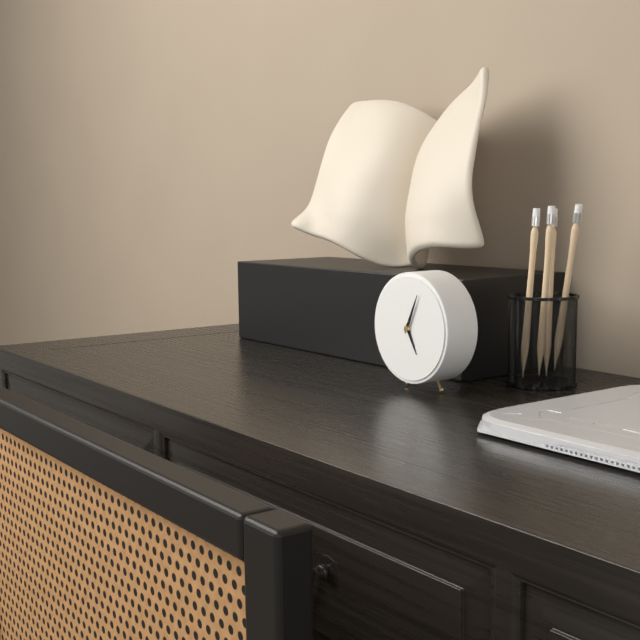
{"hour": 5, "minute": 4}
